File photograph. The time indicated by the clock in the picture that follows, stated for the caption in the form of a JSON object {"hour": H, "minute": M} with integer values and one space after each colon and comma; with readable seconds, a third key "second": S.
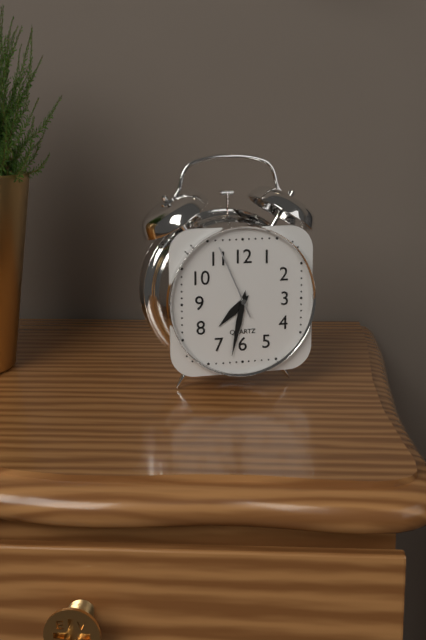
{"hour": 7, "minute": 32, "second": 56}
